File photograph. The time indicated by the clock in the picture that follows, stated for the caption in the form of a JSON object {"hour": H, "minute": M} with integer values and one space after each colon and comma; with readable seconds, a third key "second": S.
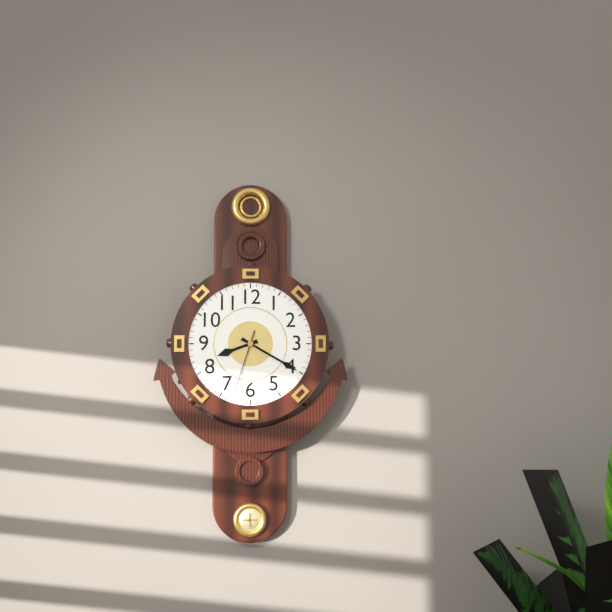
{"hour": 8, "minute": 20, "second": 33}
